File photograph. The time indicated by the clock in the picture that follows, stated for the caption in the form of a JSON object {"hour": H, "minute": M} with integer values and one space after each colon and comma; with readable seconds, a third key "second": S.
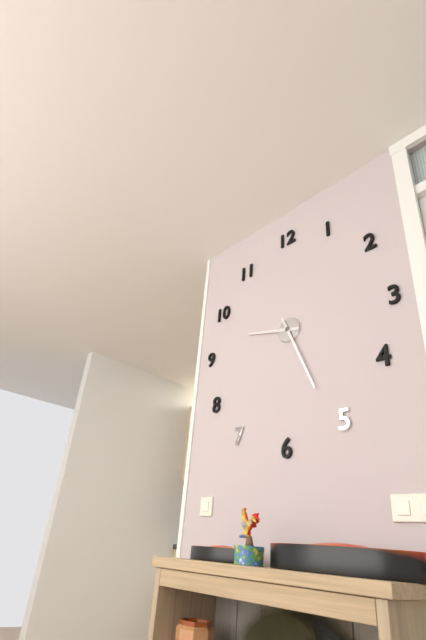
{"hour": 9, "minute": 26}
